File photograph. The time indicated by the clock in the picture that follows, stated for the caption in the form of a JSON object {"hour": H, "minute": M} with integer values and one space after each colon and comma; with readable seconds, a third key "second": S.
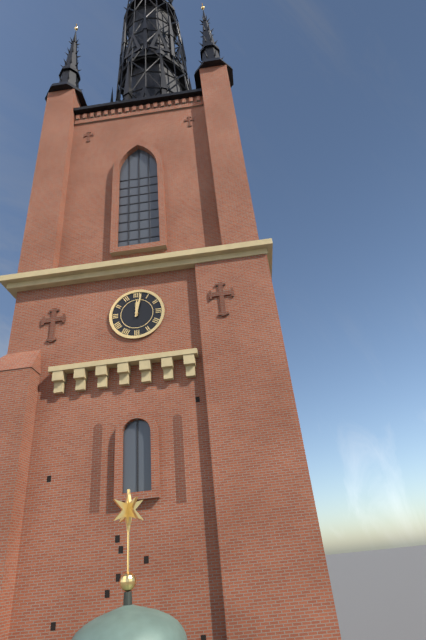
{"hour": 12, "minute": 2}
